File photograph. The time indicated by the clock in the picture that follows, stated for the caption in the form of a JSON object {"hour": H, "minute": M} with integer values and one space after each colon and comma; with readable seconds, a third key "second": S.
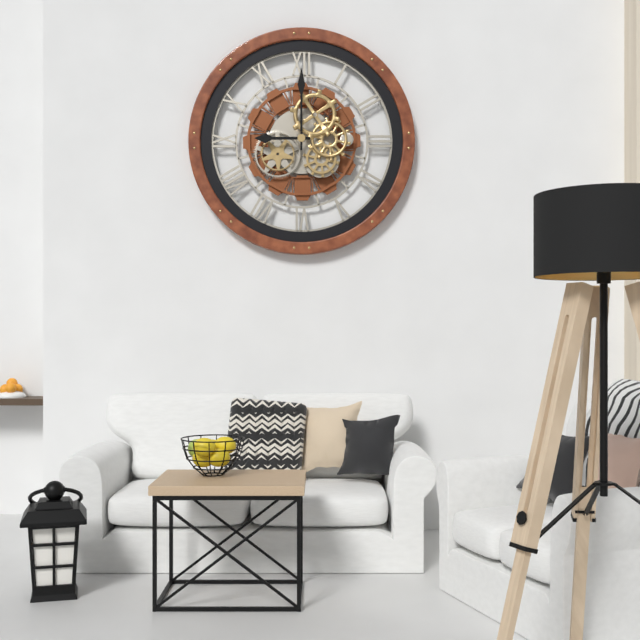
{"hour": 9, "minute": 0}
